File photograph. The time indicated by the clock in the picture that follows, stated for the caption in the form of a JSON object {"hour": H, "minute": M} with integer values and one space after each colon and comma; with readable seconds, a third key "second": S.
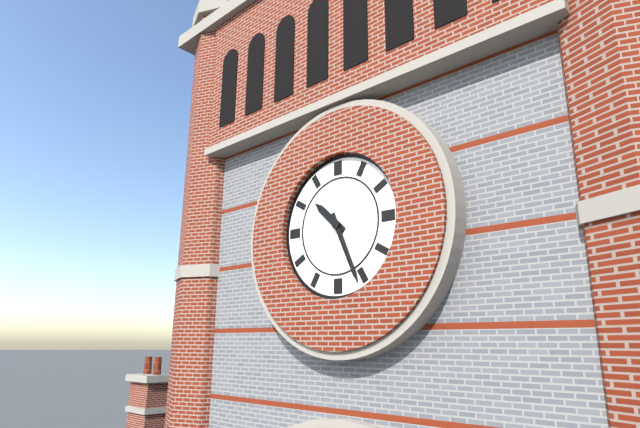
{"hour": 10, "minute": 26}
